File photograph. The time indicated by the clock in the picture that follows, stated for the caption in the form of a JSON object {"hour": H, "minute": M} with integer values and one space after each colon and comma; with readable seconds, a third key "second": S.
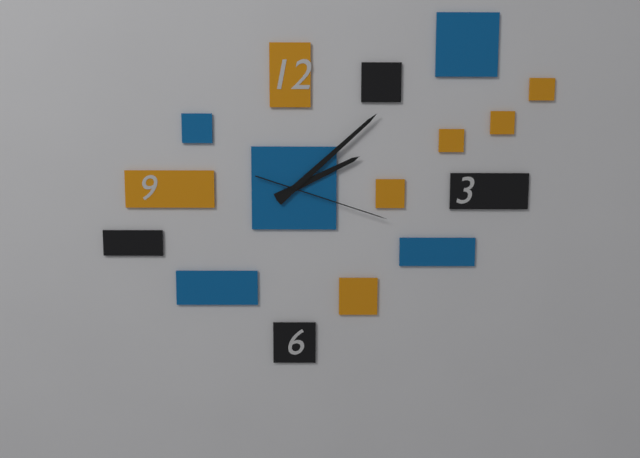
{"hour": 2, "minute": 8, "second": 18}
